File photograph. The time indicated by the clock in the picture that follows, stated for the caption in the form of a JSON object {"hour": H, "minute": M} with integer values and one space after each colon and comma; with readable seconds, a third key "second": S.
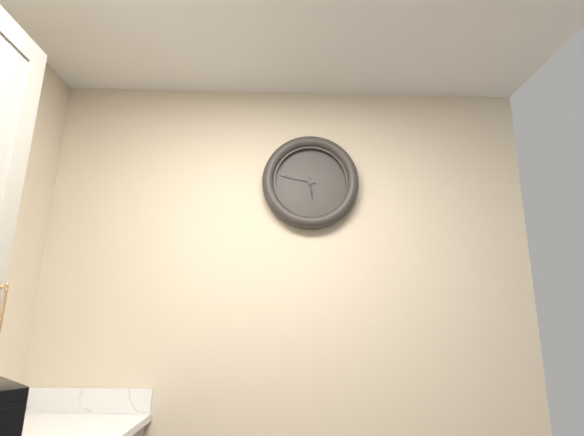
{"hour": 5, "minute": 47}
